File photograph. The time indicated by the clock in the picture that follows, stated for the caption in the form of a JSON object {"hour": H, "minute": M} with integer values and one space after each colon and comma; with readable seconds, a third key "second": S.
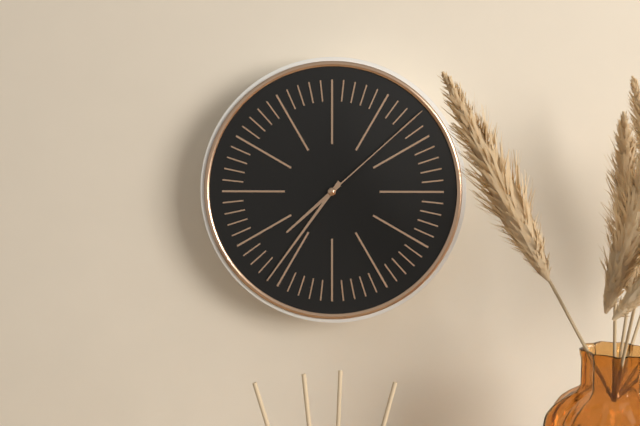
{"hour": 7, "minute": 36, "second": 8}
